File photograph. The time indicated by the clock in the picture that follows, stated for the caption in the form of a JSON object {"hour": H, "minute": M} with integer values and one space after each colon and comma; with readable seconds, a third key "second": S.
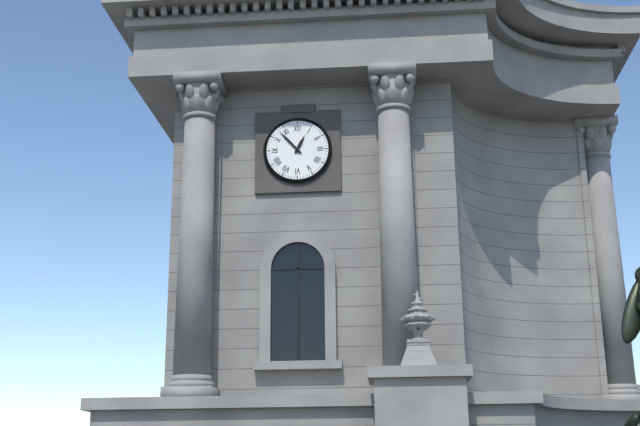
{"hour": 12, "minute": 53}
